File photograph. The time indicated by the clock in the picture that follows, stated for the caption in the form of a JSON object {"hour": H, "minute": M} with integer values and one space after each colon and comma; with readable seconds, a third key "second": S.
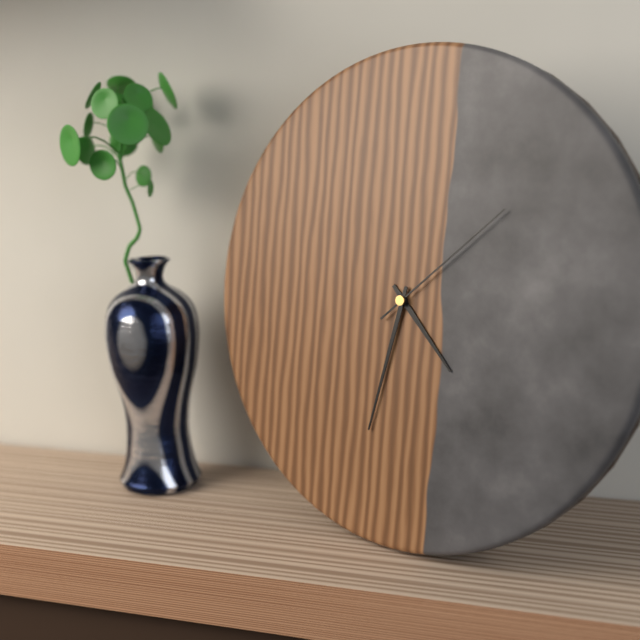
{"hour": 4, "minute": 32, "second": 8}
